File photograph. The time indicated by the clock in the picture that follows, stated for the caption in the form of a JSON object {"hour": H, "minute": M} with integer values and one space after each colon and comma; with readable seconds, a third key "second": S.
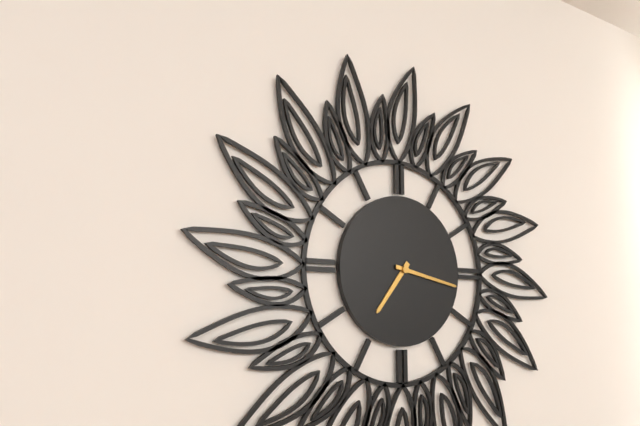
{"hour": 7, "minute": 17}
